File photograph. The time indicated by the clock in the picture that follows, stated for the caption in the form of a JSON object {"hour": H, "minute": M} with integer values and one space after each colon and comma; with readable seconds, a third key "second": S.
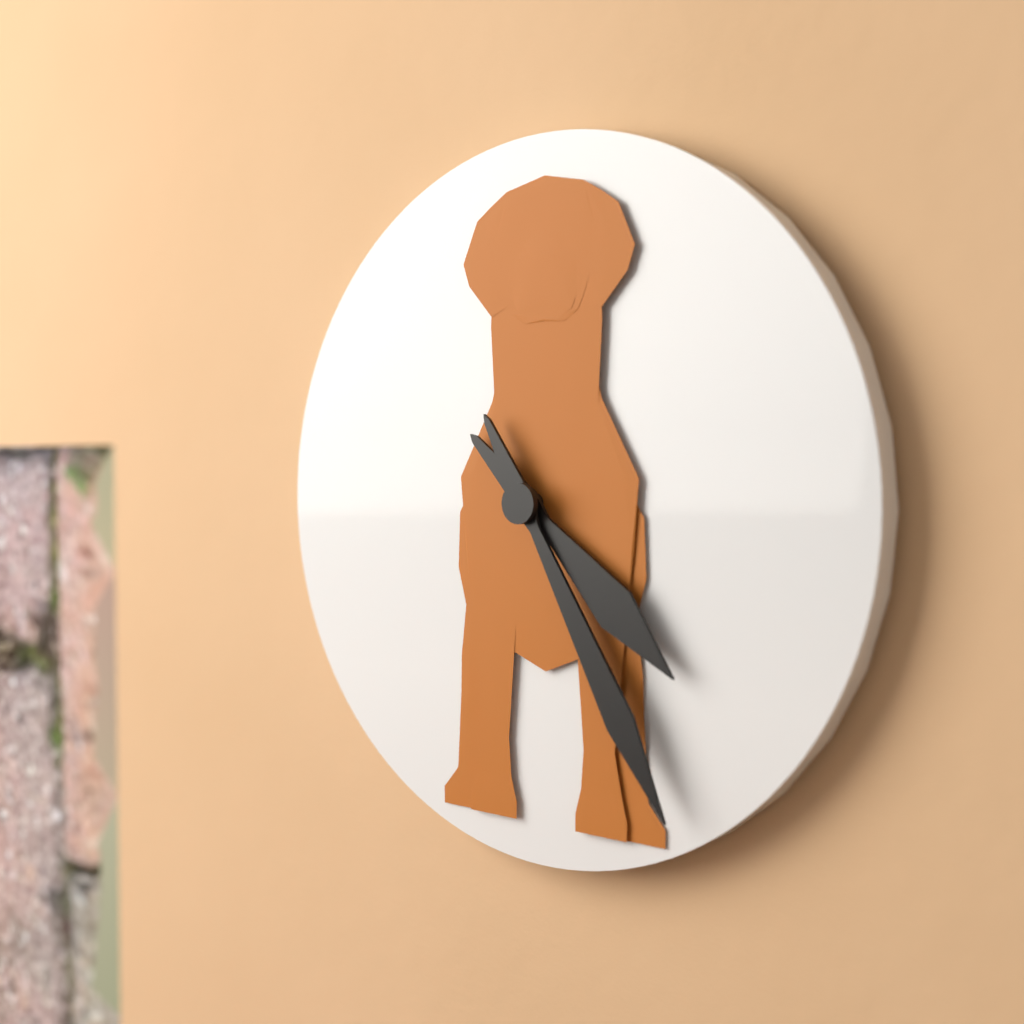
{"hour": 4, "minute": 25}
